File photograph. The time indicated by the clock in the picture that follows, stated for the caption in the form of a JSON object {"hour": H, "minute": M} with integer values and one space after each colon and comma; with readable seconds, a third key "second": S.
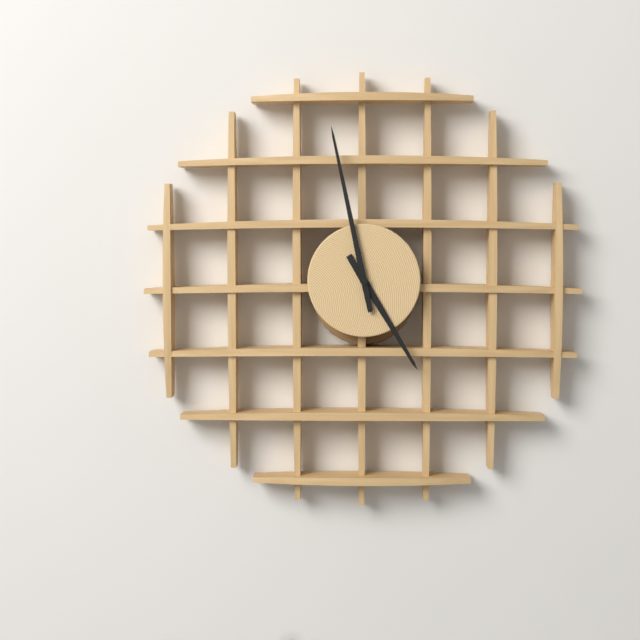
{"hour": 4, "minute": 58}
